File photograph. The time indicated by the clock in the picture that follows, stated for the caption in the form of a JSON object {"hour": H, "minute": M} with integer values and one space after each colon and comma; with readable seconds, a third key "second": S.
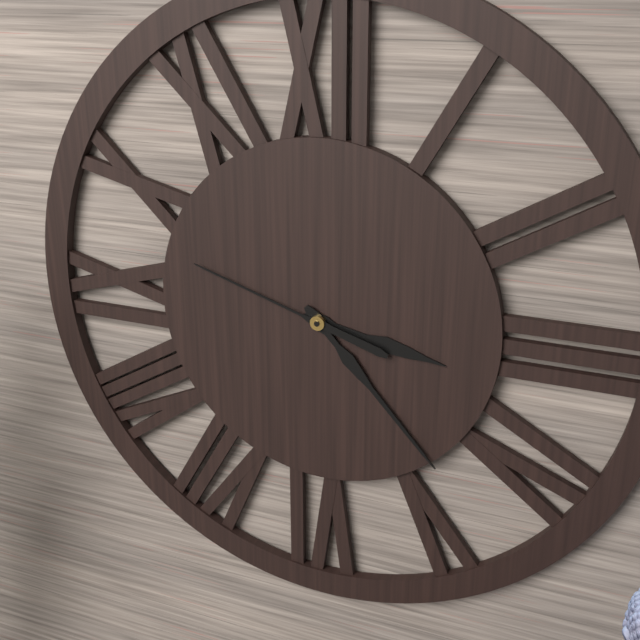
{"hour": 3, "minute": 23, "second": 48}
